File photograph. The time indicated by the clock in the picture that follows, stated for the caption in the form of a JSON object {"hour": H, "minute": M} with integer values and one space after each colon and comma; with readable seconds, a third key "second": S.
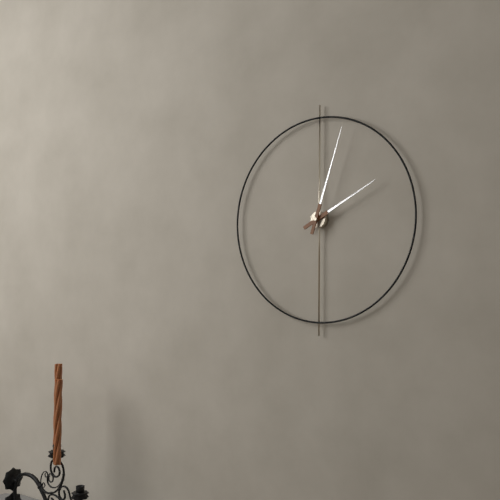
{"hour": 2, "minute": 3}
